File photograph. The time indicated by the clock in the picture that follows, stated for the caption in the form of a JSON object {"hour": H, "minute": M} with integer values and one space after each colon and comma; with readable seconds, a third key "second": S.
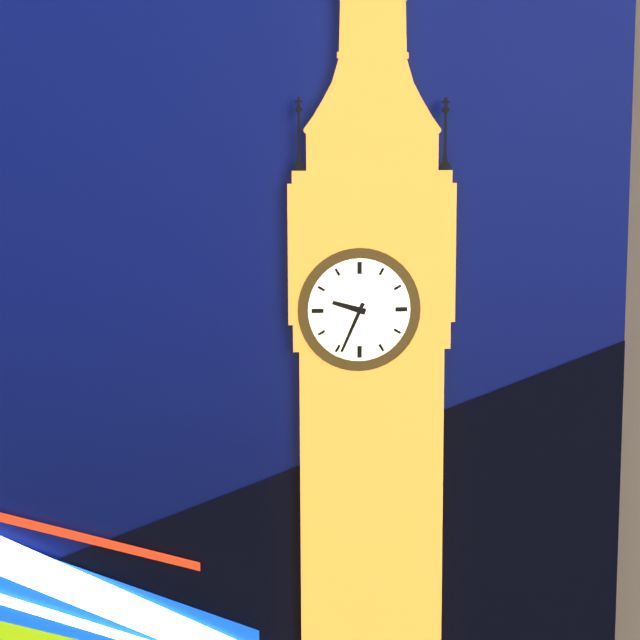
{"hour": 9, "minute": 34}
